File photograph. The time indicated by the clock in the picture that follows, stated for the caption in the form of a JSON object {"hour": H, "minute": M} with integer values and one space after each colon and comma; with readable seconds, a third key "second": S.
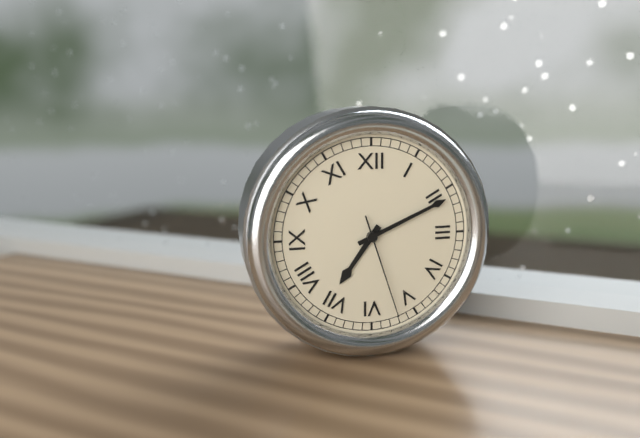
{"hour": 7, "minute": 11, "second": 27}
